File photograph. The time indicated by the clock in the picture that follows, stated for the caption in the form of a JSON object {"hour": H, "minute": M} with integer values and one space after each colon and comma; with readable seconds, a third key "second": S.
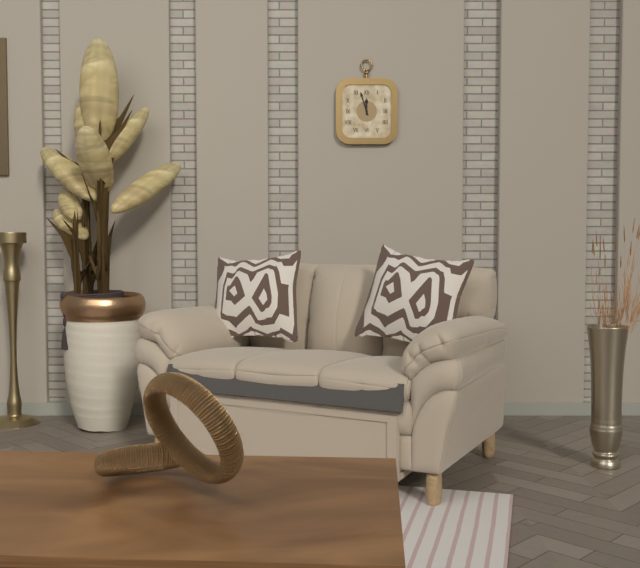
{"hour": 11, "minute": 57}
